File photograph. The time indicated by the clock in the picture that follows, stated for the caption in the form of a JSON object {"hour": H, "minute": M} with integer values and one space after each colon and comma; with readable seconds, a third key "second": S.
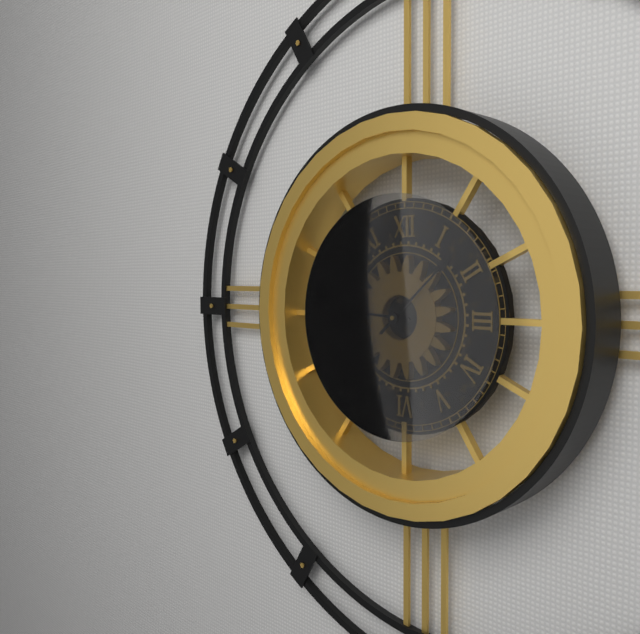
{"hour": 9, "minute": 8}
